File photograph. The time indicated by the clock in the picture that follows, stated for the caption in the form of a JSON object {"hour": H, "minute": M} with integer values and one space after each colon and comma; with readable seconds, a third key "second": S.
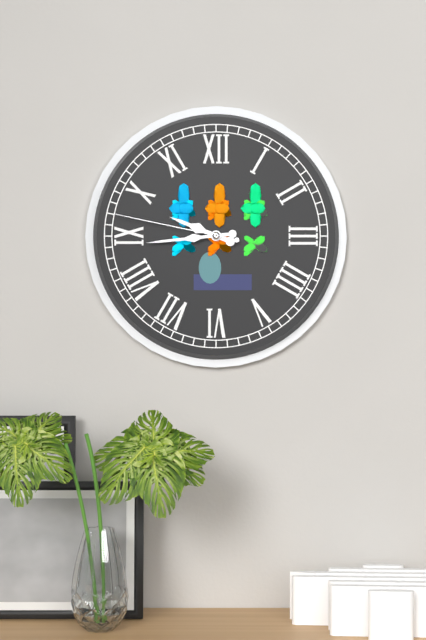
{"hour": 9, "minute": 44, "second": 47}
